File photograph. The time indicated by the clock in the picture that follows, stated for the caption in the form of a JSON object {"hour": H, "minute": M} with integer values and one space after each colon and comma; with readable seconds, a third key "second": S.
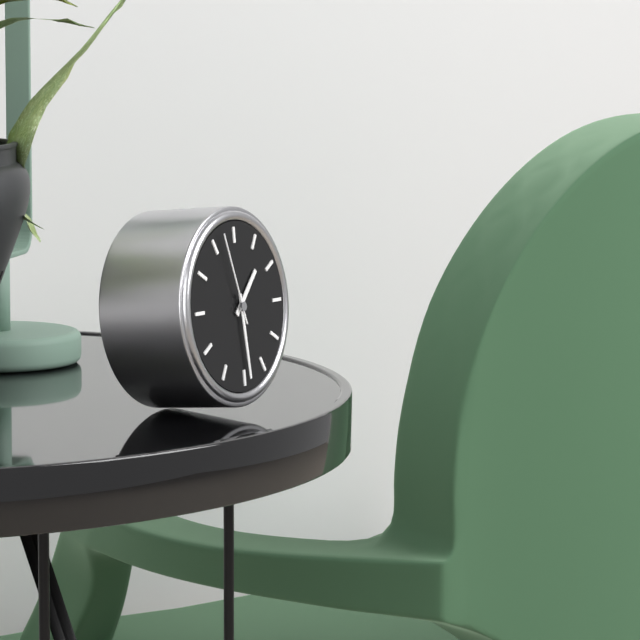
{"hour": 1, "minute": 29, "second": 57}
